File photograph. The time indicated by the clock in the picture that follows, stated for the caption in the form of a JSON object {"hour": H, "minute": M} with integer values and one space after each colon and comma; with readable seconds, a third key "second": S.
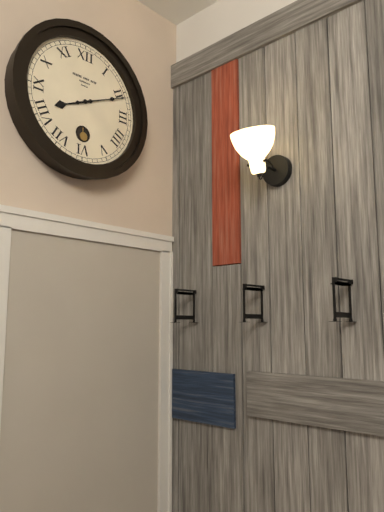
{"hour": 8, "minute": 11}
